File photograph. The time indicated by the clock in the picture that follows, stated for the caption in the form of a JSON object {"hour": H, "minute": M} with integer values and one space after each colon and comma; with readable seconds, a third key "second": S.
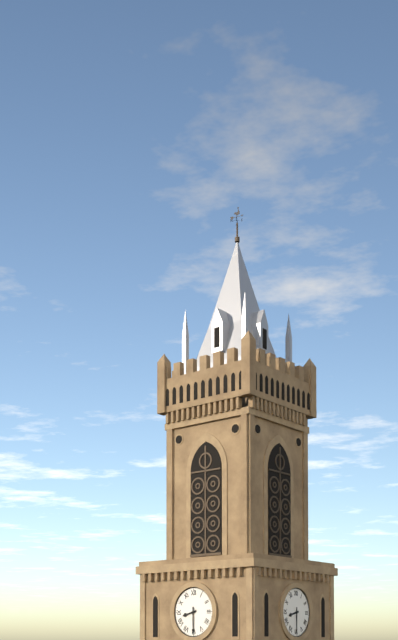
{"hour": 8, "minute": 30}
